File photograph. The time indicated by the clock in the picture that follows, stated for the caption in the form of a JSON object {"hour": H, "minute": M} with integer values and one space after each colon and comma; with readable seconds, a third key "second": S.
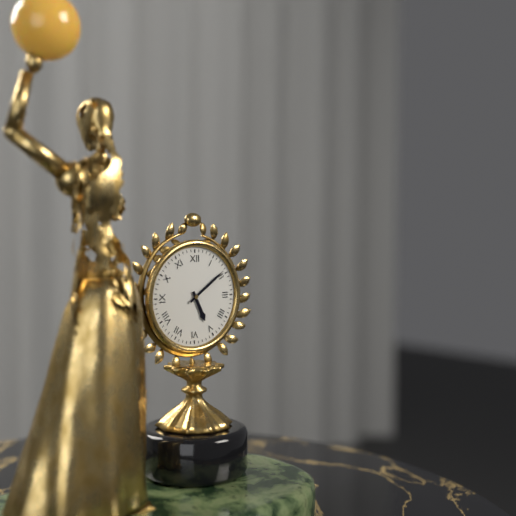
{"hour": 5, "minute": 9}
